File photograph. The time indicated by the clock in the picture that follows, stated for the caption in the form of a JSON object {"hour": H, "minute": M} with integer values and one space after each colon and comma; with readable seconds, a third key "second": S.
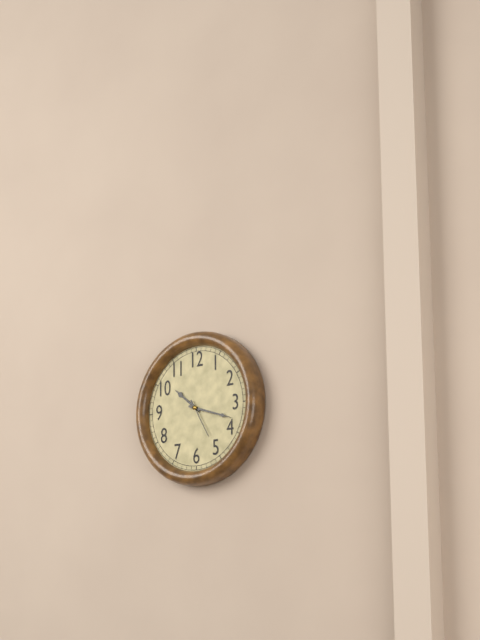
{"hour": 10, "minute": 18}
